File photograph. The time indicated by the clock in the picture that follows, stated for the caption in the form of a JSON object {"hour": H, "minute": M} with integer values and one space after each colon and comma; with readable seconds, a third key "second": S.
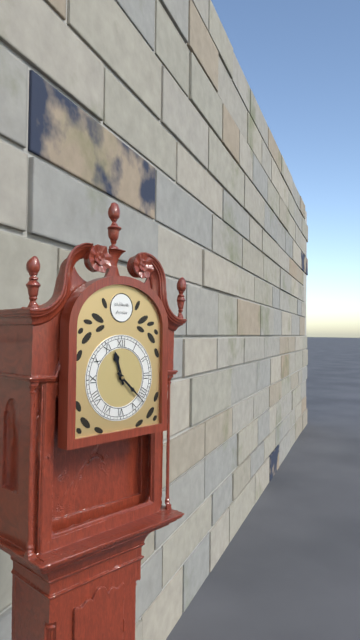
{"hour": 11, "minute": 22}
